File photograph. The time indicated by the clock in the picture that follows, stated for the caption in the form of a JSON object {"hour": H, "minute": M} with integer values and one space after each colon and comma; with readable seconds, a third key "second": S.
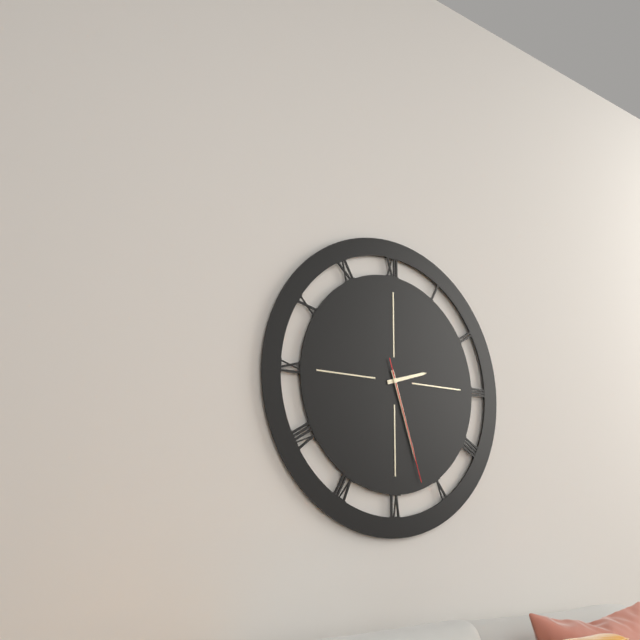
{"hour": 2, "minute": 27, "second": 27}
